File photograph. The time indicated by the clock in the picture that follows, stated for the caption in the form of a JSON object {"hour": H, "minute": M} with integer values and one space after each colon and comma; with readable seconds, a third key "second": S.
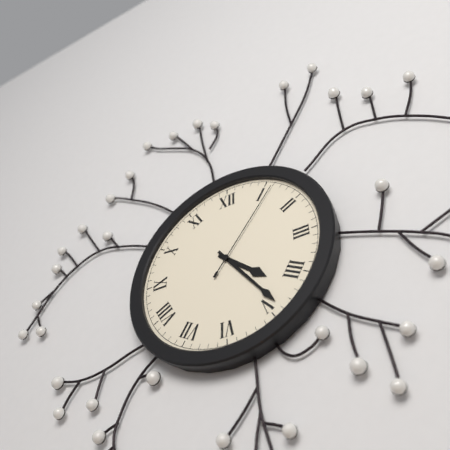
{"hour": 4, "minute": 24, "second": 6}
